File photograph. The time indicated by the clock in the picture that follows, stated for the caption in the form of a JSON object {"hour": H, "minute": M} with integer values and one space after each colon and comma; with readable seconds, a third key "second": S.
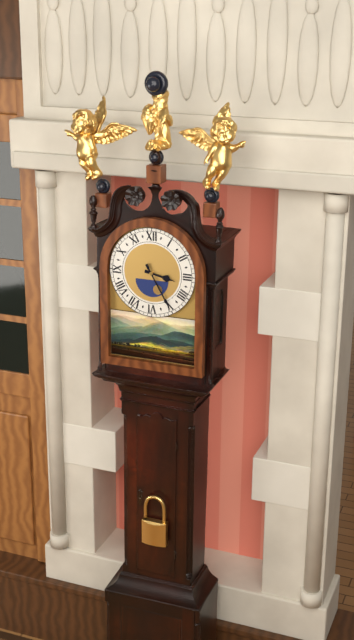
{"hour": 3, "minute": 25}
